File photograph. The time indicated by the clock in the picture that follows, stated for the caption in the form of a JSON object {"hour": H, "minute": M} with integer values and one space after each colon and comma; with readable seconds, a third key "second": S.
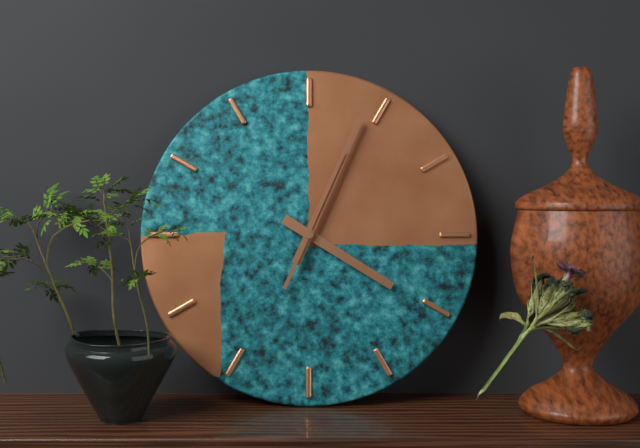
{"hour": 4, "minute": 4, "second": 4}
